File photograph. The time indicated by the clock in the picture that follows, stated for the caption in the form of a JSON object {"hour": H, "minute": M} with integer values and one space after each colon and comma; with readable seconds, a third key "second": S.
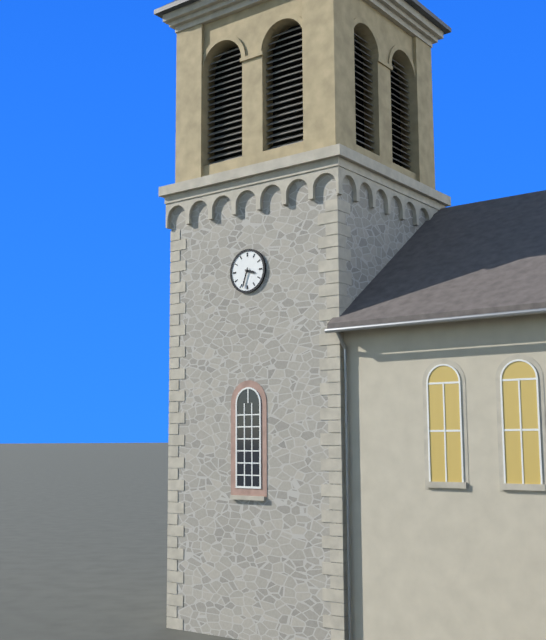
{"hour": 3, "minute": 33}
